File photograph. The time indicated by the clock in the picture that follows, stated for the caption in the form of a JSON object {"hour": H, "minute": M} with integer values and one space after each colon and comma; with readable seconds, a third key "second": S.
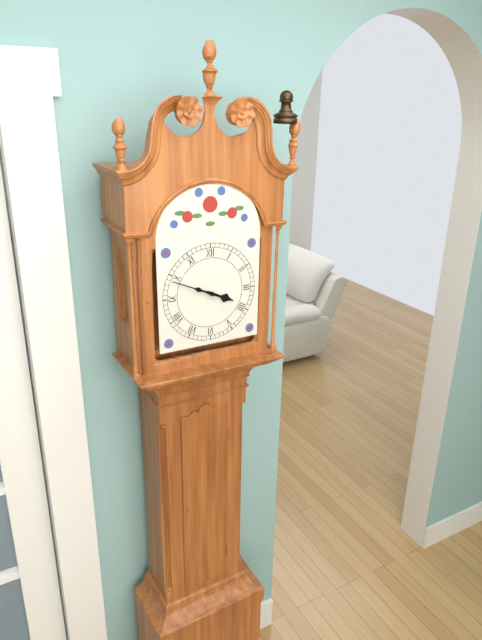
{"hour": 3, "minute": 49}
